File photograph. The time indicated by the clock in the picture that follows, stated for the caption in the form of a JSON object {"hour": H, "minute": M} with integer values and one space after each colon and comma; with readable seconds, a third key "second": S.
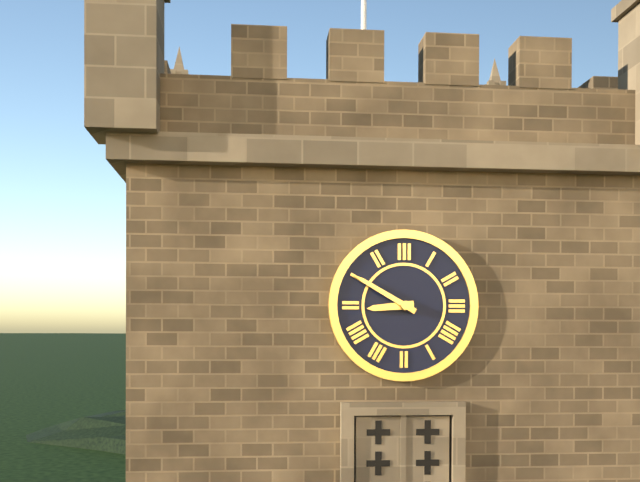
{"hour": 8, "minute": 50}
